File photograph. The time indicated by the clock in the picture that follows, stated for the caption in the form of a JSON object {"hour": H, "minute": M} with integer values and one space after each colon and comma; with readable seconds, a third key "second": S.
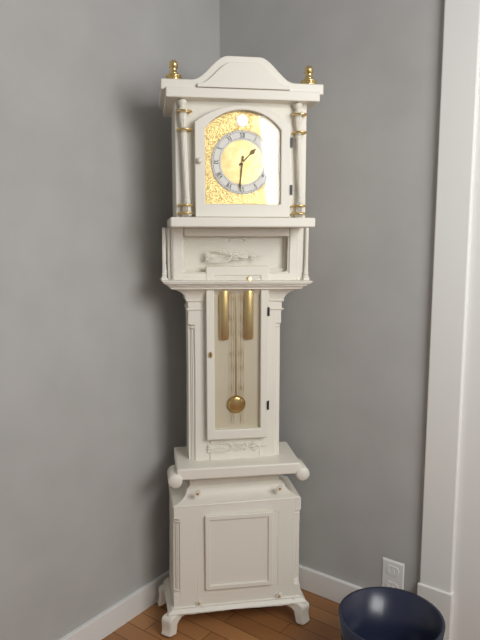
{"hour": 1, "minute": 31}
